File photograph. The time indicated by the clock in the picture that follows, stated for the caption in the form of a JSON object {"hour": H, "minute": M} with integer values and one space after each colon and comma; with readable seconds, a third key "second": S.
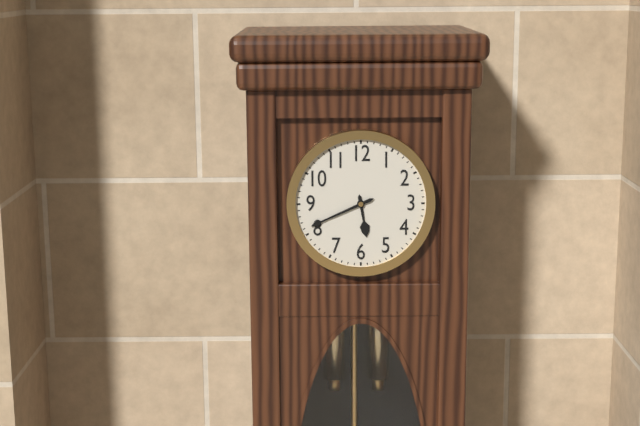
{"hour": 5, "minute": 41}
